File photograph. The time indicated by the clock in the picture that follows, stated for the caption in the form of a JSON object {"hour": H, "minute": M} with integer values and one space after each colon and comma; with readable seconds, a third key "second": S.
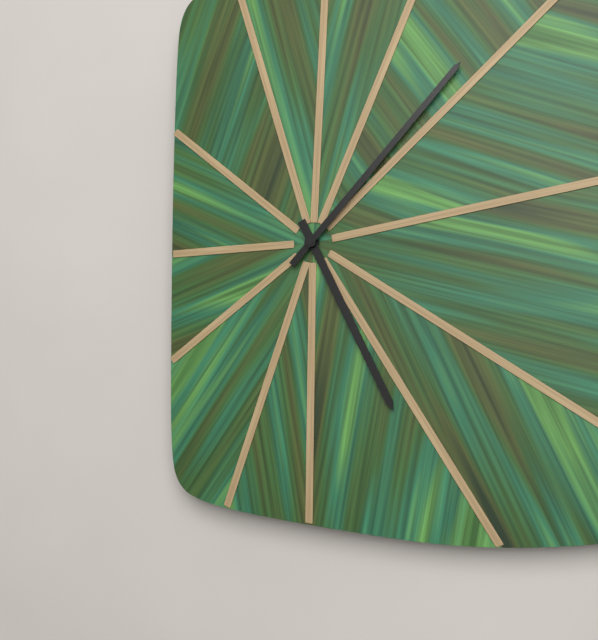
{"hour": 5, "minute": 7}
